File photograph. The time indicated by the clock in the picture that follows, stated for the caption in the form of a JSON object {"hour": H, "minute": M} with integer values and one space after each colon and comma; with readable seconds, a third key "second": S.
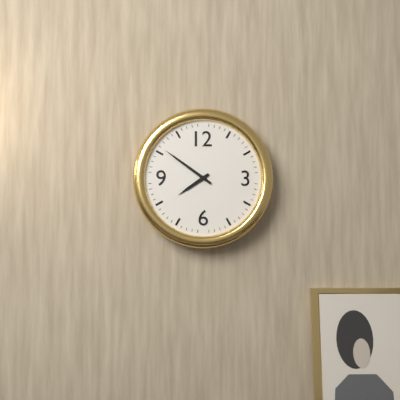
{"hour": 7, "minute": 51}
